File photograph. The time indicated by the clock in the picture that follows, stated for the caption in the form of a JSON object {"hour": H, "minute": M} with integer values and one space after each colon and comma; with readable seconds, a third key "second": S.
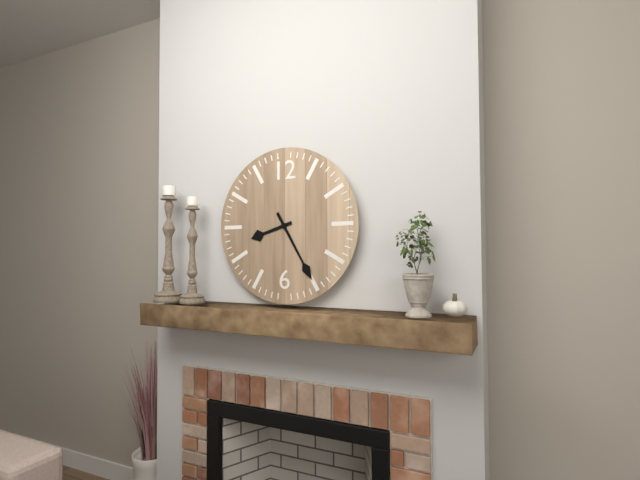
{"hour": 8, "minute": 25}
